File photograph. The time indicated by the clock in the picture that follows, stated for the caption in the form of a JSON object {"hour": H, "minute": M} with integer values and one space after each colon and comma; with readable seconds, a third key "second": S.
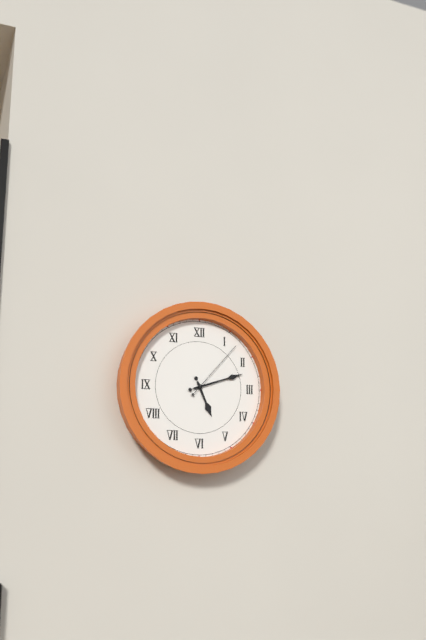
{"hour": 5, "minute": 12, "second": 7}
